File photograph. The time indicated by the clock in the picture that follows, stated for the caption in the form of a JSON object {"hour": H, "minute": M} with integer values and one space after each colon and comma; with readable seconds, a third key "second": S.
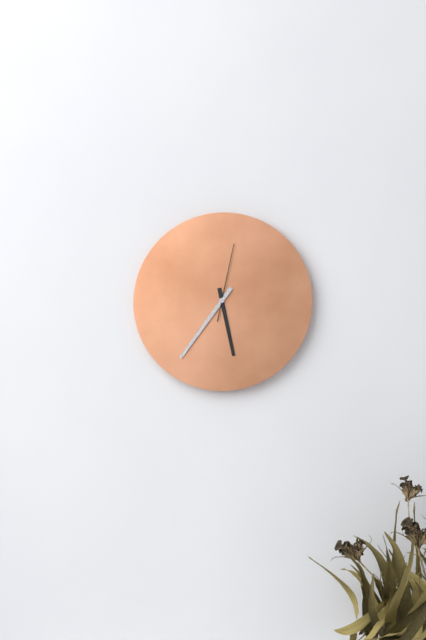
{"hour": 5, "minute": 36, "second": 2}
